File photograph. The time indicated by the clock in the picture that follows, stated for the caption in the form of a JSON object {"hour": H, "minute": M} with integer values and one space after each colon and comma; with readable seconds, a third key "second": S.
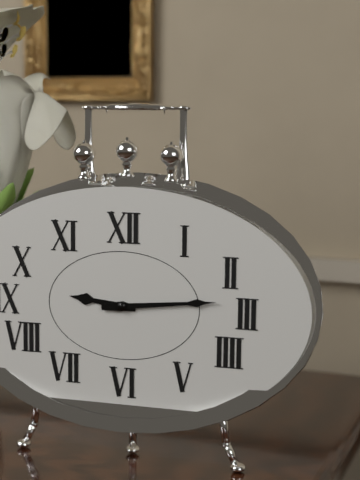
{"hour": 9, "minute": 14}
